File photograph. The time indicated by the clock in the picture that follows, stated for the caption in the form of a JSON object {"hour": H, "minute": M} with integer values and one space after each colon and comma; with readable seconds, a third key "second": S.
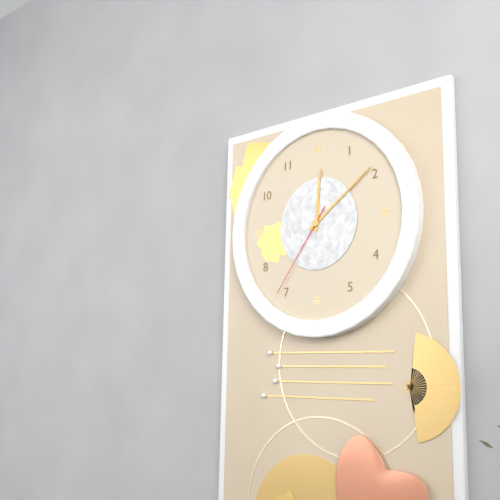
{"hour": 12, "minute": 9, "second": 36}
